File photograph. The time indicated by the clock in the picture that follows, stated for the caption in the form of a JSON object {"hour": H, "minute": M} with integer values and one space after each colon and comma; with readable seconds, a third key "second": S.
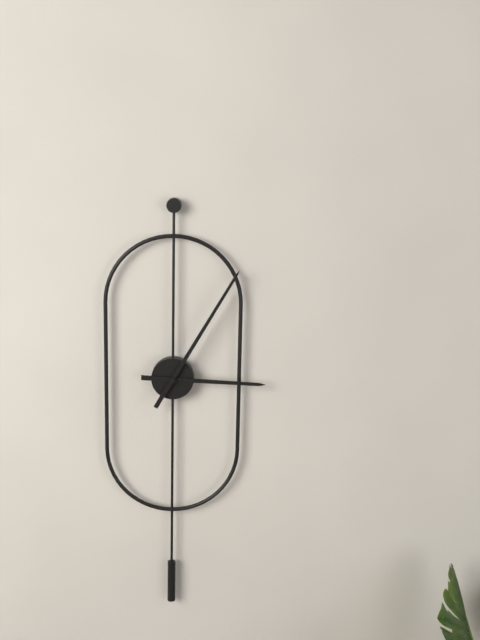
{"hour": 3, "minute": 5}
